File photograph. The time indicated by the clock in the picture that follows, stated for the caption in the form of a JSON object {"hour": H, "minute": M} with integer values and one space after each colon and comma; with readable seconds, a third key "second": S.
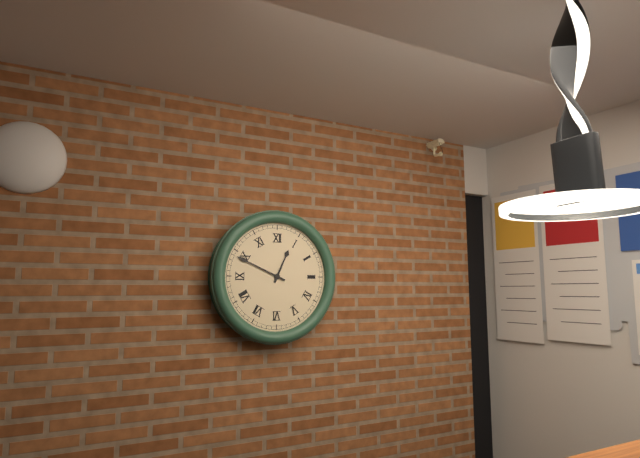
{"hour": 12, "minute": 49}
